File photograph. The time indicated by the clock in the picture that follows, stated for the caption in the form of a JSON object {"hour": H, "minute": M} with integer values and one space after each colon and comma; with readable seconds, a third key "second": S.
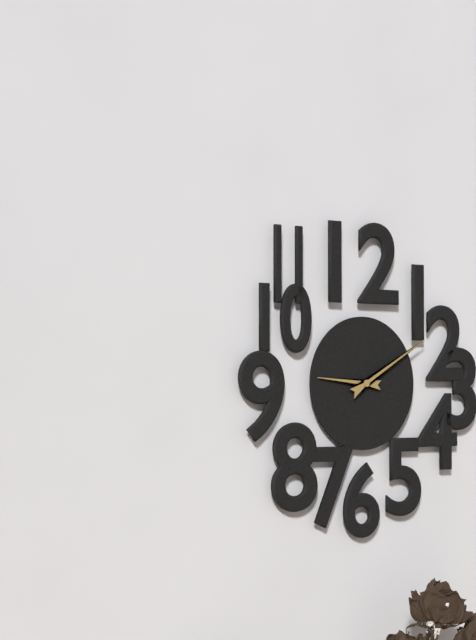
{"hour": 9, "minute": 10}
